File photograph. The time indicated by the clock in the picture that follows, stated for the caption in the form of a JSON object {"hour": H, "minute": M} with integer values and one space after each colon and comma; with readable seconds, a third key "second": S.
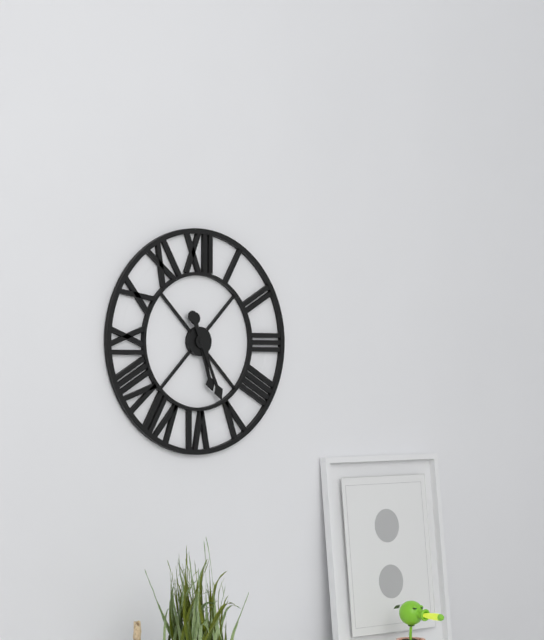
{"hour": 5, "minute": 26}
